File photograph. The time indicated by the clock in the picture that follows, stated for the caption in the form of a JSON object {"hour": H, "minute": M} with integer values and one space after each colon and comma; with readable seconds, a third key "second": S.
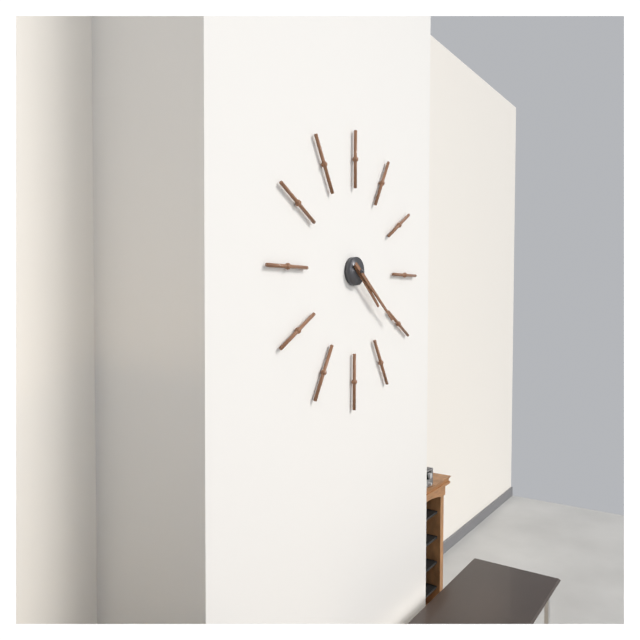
{"hour": 4, "minute": 21}
